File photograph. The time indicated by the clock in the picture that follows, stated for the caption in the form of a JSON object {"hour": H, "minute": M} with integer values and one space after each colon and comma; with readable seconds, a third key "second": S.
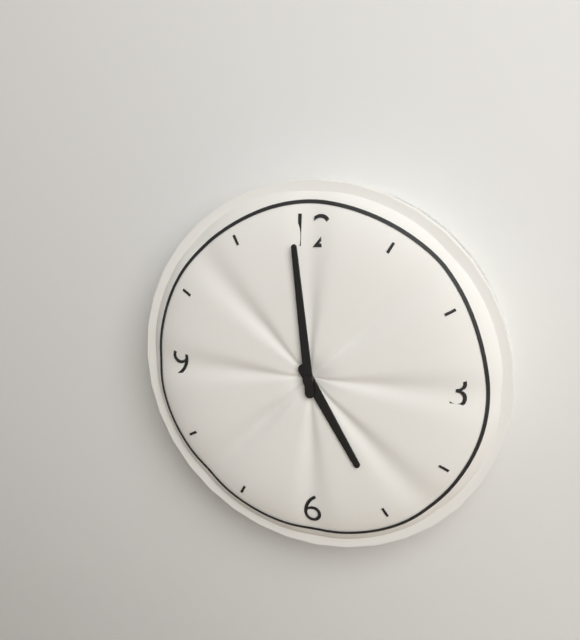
{"hour": 4, "minute": 59}
